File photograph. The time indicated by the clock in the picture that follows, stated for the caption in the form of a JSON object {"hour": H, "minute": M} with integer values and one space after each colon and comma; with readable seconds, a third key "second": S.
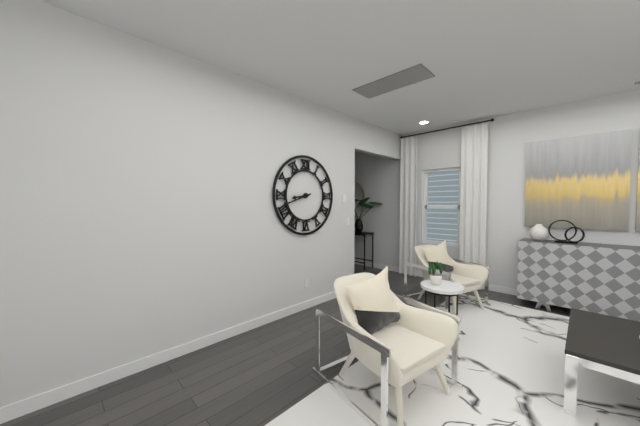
{"hour": 8, "minute": 42}
